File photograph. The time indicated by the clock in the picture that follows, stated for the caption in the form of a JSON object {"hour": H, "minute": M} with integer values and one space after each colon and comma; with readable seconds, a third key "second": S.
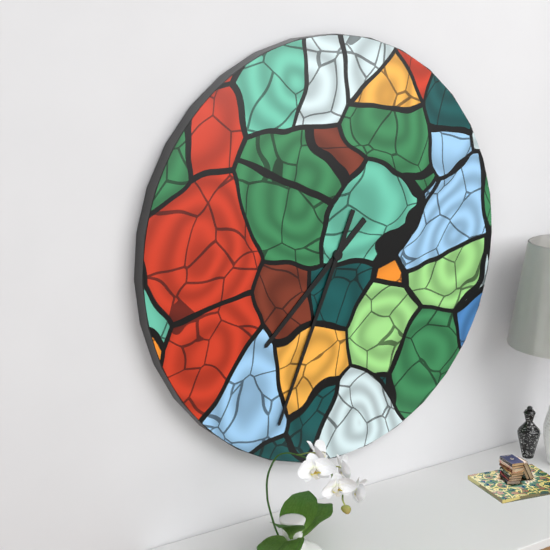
{"hour": 7, "minute": 34}
